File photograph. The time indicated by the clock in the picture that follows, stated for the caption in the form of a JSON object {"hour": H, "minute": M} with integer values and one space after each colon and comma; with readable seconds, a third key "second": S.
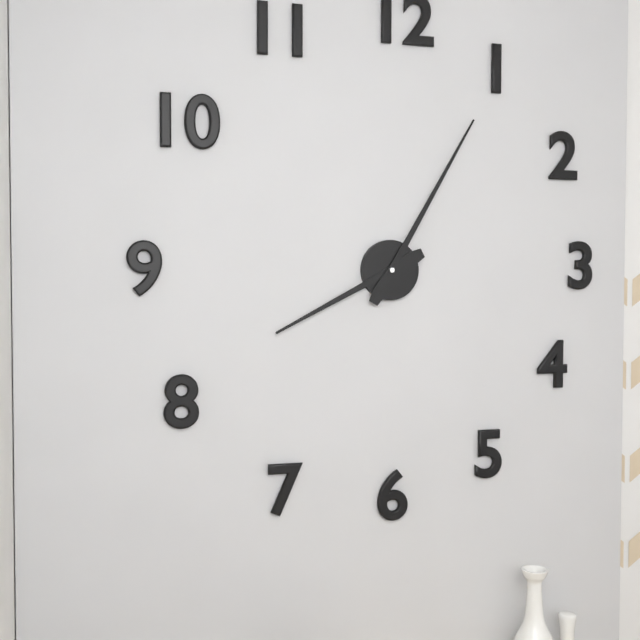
{"hour": 8, "minute": 5}
